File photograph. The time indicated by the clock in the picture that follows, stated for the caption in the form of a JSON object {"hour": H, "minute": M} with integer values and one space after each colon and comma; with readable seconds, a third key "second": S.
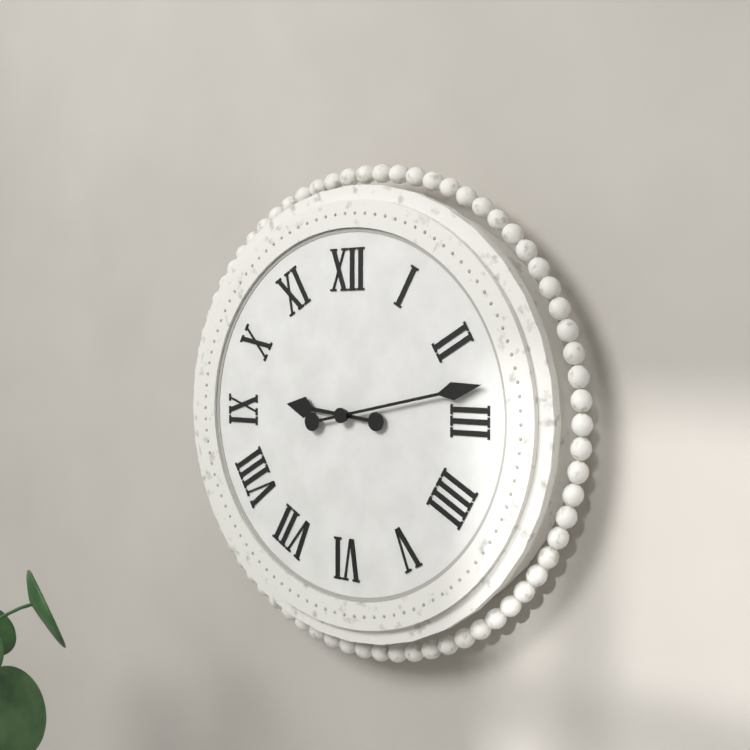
{"hour": 9, "minute": 13}
